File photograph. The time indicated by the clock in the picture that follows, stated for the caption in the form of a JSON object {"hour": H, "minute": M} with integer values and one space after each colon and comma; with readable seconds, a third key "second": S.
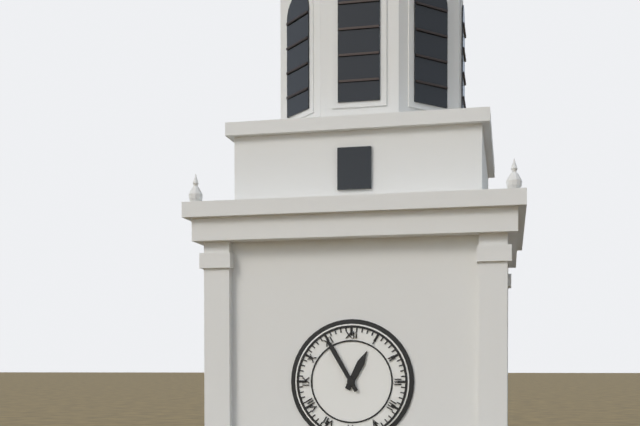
{"hour": 12, "minute": 55}
